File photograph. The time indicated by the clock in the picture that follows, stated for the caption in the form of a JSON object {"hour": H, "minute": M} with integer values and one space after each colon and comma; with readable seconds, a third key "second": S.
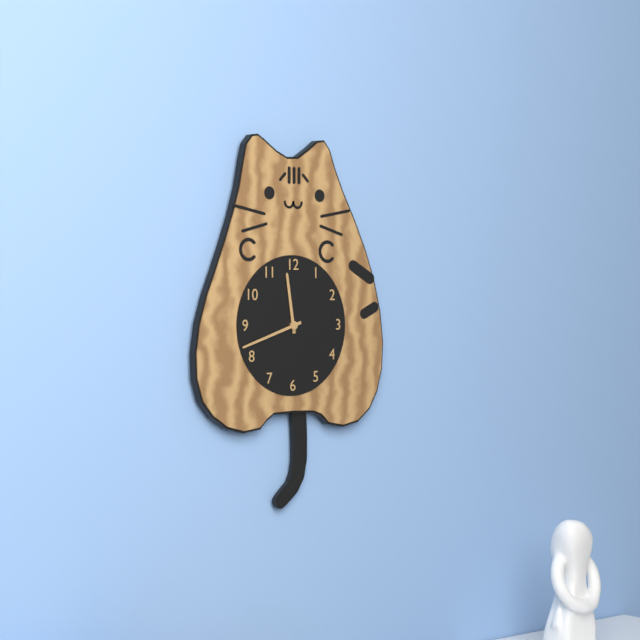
{"hour": 11, "minute": 42}
